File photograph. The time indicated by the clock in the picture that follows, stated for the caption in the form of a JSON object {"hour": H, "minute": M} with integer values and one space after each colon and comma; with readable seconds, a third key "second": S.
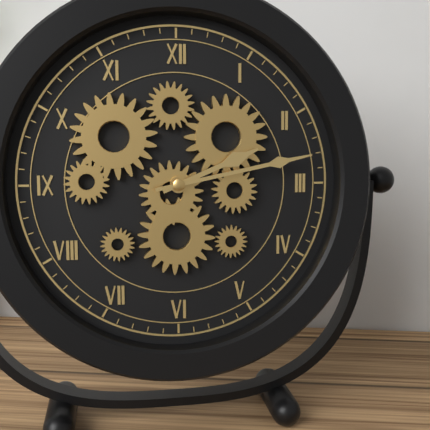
{"hour": 2, "minute": 13}
